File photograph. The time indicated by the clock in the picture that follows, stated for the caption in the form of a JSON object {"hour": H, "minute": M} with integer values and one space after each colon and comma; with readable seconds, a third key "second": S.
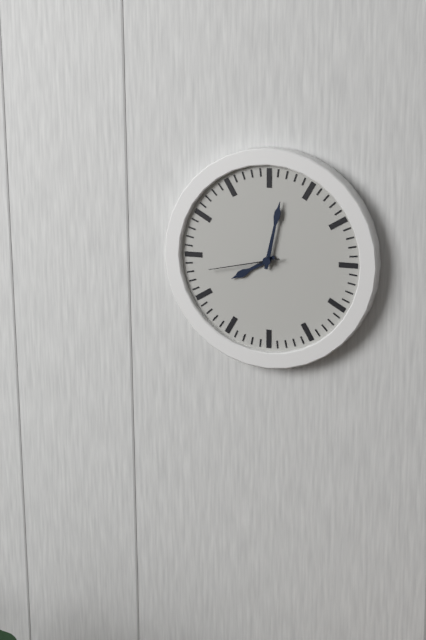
{"hour": 8, "minute": 2, "second": 43}
